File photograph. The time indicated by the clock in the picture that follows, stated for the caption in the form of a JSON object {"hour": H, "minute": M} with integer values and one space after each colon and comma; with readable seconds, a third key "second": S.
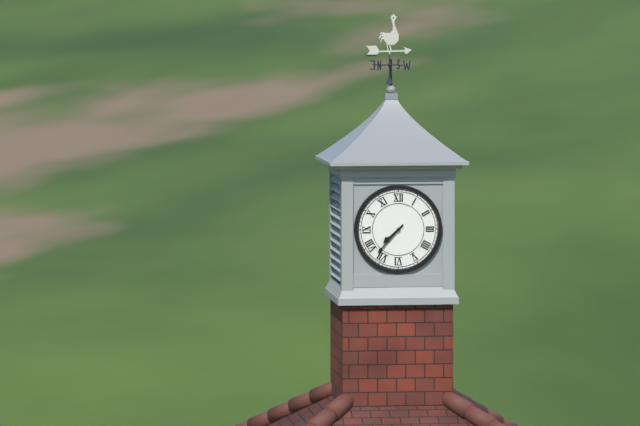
{"hour": 7, "minute": 37}
